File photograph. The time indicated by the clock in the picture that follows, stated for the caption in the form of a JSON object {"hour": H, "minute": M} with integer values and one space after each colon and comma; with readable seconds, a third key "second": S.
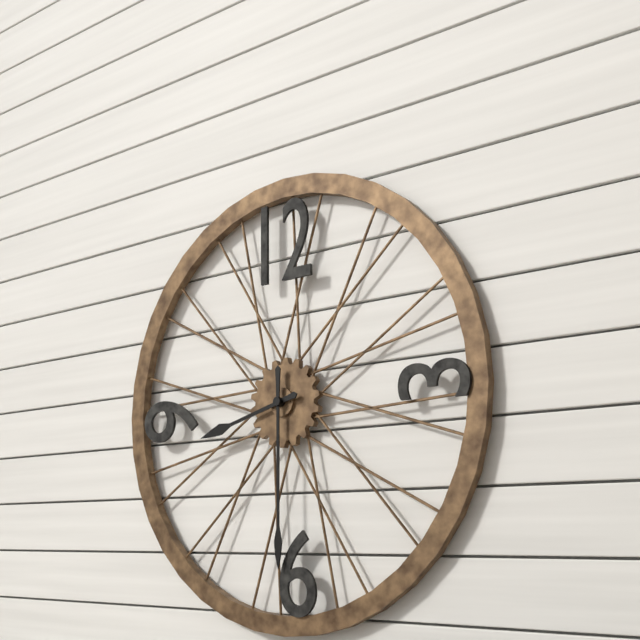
{"hour": 8, "minute": 30}
